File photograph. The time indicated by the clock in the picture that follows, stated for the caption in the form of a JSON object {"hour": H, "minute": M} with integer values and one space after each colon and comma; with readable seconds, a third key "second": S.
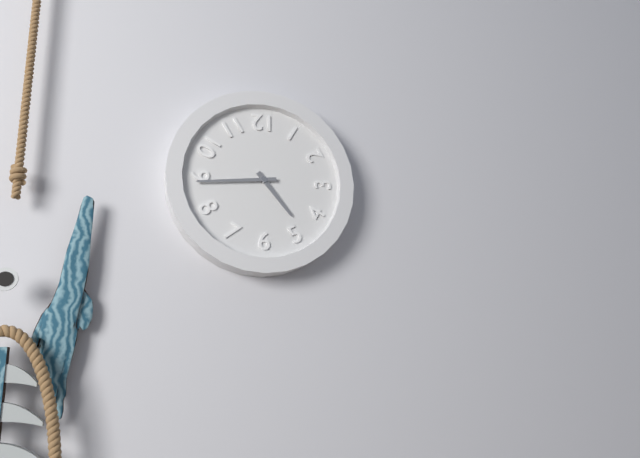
{"hour": 4, "minute": 44}
